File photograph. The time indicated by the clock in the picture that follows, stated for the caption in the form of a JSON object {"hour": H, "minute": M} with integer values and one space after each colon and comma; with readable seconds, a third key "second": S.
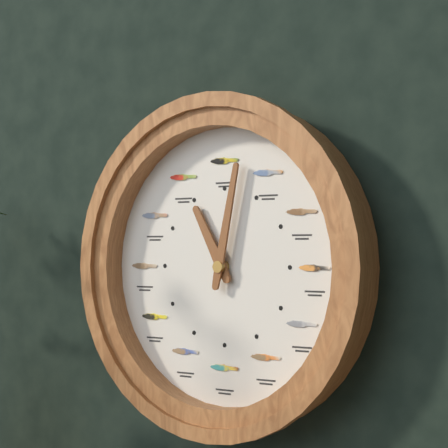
{"hour": 11, "minute": 2}
